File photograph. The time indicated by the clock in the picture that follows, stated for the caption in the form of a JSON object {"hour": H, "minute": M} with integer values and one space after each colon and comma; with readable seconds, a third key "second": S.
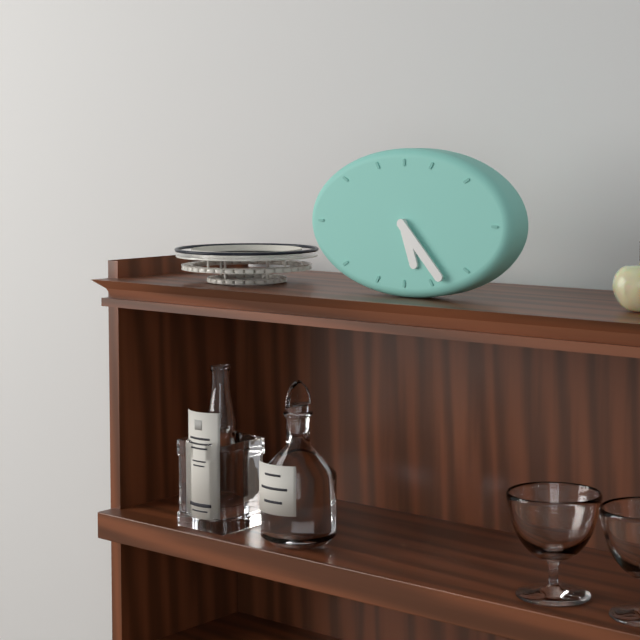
{"hour": 5, "minute": 23}
